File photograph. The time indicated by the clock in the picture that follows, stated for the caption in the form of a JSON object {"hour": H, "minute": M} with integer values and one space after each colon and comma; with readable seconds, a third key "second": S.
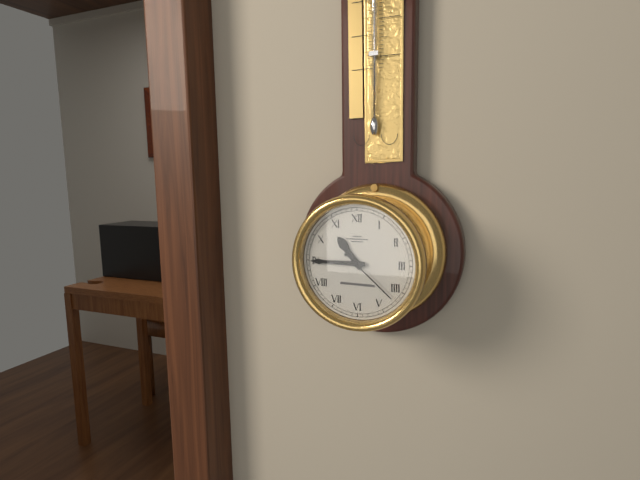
{"hour": 10, "minute": 45, "second": 22}
